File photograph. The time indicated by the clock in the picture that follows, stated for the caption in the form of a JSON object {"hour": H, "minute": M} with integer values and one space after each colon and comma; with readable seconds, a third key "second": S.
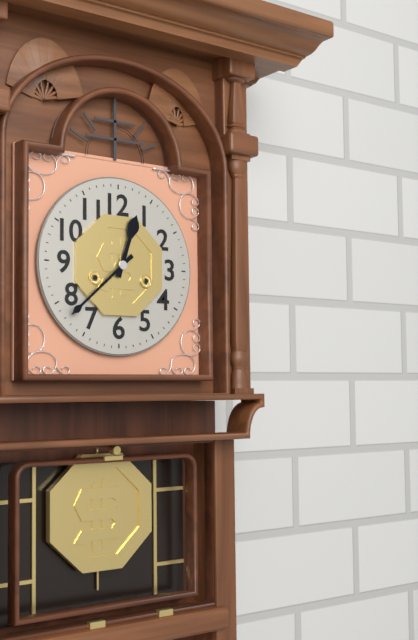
{"hour": 12, "minute": 38}
